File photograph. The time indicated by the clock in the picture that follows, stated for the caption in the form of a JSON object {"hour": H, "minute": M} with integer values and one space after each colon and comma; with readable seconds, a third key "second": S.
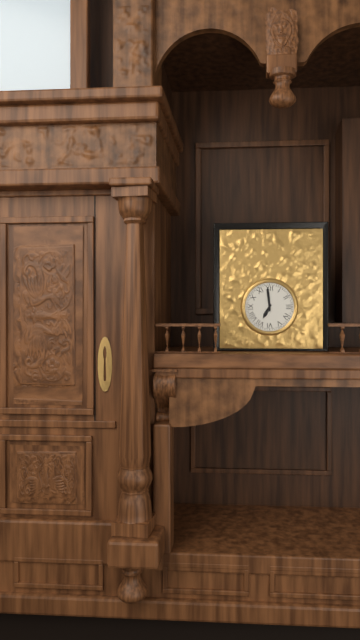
{"hour": 6, "minute": 59}
